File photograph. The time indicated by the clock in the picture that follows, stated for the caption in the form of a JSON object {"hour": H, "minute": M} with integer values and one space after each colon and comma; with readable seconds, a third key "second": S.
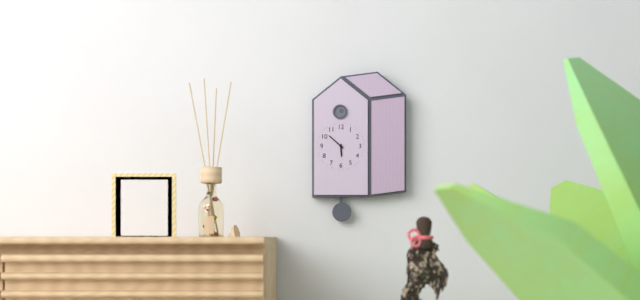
{"hour": 5, "minute": 52}
